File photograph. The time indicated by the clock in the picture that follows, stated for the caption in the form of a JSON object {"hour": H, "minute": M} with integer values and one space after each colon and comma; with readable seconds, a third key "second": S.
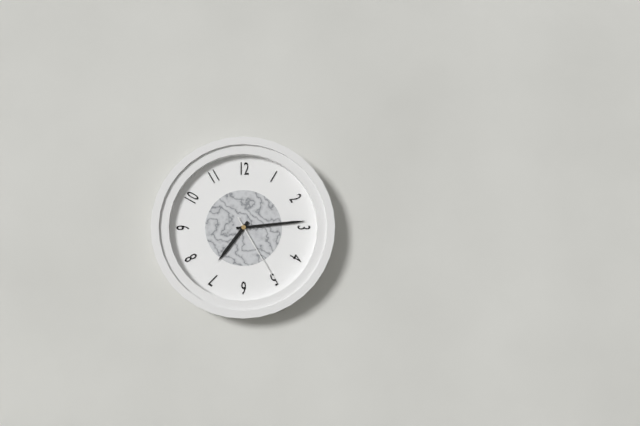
{"hour": 7, "minute": 14, "second": 25}
